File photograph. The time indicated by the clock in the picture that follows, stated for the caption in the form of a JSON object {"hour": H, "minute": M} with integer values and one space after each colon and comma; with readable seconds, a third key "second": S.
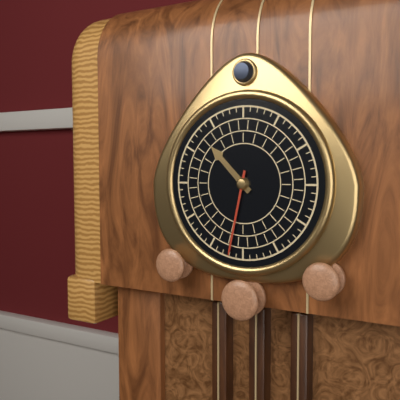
{"hour": 10, "minute": 32}
